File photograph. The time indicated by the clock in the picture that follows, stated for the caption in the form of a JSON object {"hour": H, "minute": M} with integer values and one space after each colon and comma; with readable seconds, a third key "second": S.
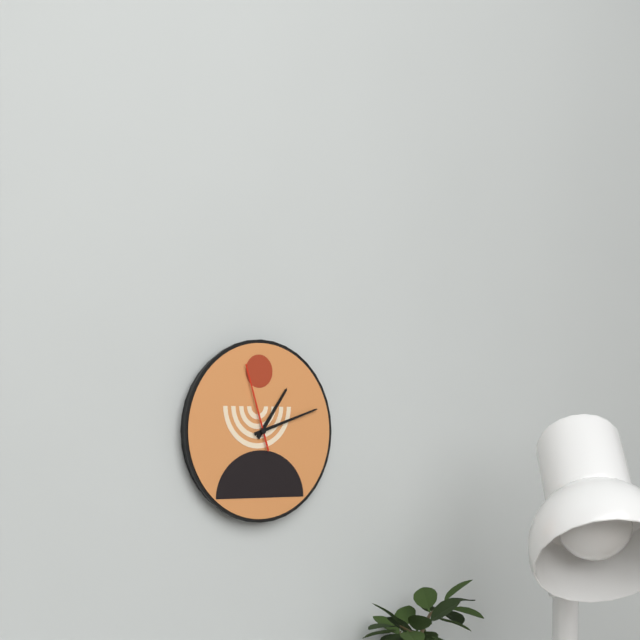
{"hour": 1, "minute": 12, "second": 57}
